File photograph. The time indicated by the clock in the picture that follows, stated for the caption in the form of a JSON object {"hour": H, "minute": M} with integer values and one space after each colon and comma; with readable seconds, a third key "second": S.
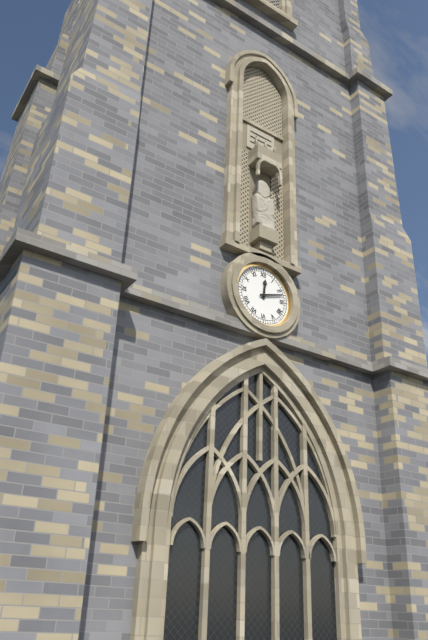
{"hour": 12, "minute": 12}
